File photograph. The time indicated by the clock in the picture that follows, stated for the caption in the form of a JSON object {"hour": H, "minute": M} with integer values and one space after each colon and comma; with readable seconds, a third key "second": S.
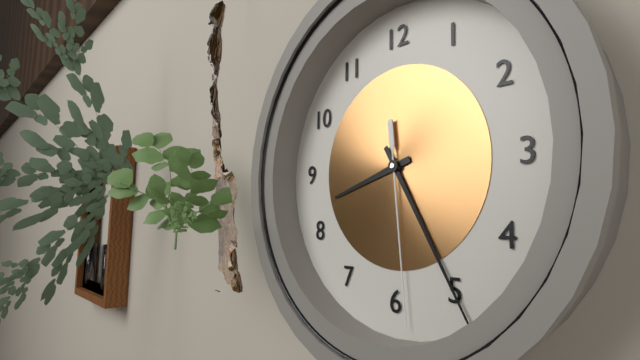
{"hour": 8, "minute": 25, "second": 29}
